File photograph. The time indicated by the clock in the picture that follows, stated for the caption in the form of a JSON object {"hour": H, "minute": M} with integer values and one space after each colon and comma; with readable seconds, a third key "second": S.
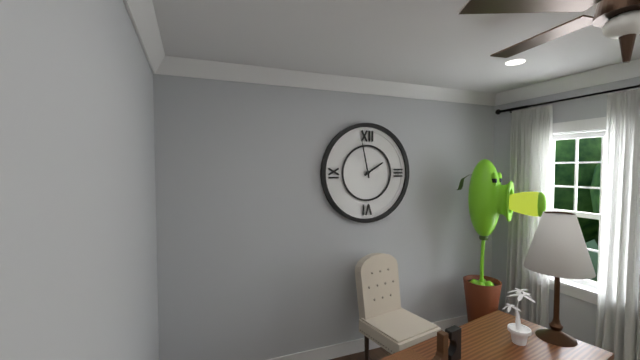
{"hour": 1, "minute": 58}
